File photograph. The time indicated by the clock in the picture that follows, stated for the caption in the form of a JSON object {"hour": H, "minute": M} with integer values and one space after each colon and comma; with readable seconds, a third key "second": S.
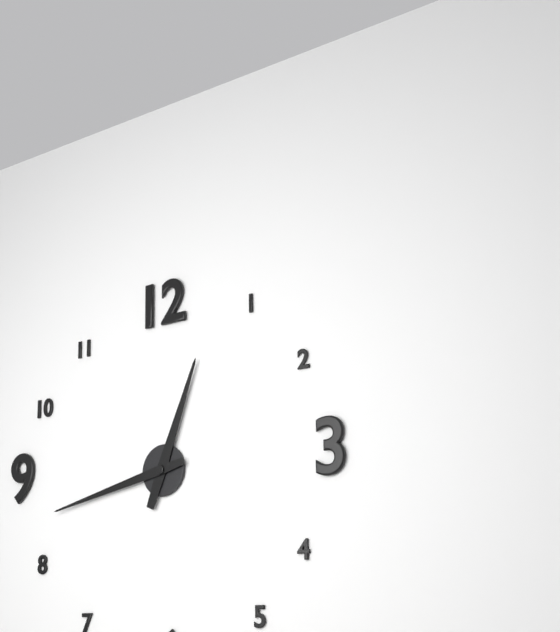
{"hour": 12, "minute": 43}
